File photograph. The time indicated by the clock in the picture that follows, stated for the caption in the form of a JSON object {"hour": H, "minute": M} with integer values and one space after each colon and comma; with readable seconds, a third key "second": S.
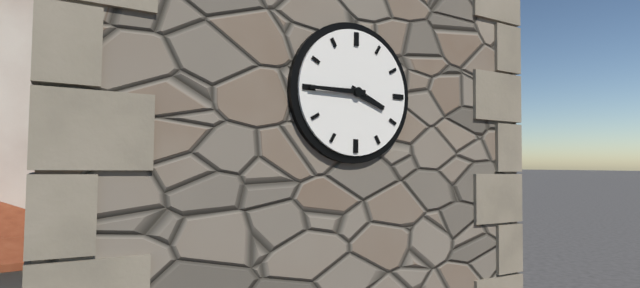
{"hour": 3, "minute": 45}
